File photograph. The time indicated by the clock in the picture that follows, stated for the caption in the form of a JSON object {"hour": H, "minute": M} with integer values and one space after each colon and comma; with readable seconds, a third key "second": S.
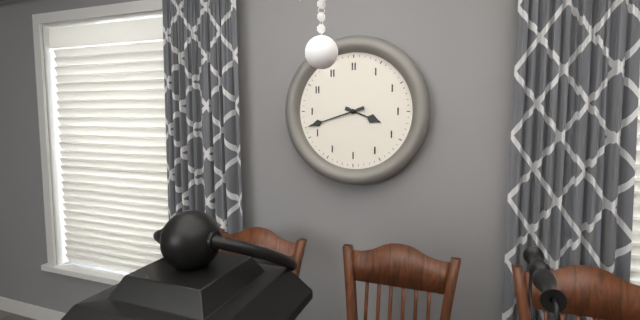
{"hour": 3, "minute": 42}
